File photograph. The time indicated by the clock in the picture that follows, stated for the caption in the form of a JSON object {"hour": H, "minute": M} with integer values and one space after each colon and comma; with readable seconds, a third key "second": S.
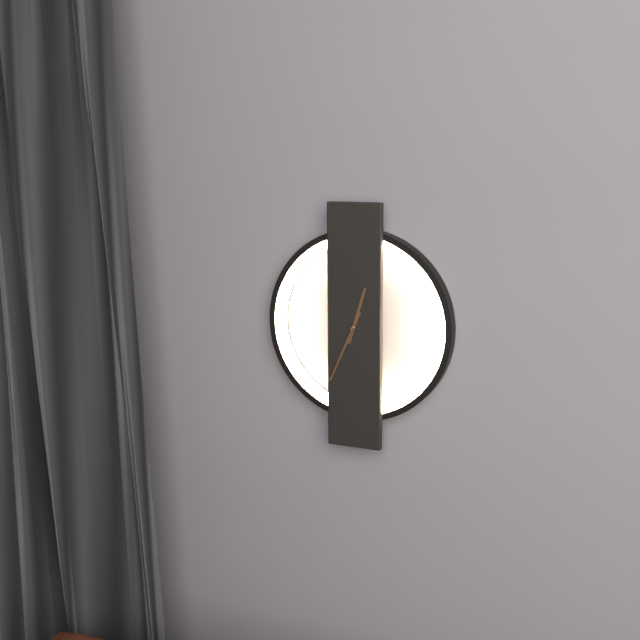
{"hour": 12, "minute": 34}
